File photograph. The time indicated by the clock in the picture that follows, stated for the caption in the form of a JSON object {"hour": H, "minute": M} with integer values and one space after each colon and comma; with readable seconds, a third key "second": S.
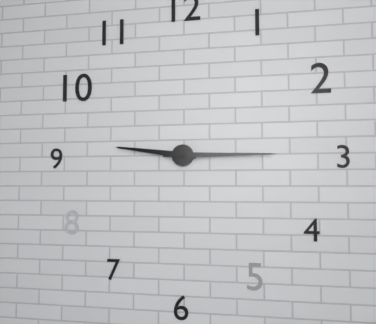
{"hour": 9, "minute": 15}
